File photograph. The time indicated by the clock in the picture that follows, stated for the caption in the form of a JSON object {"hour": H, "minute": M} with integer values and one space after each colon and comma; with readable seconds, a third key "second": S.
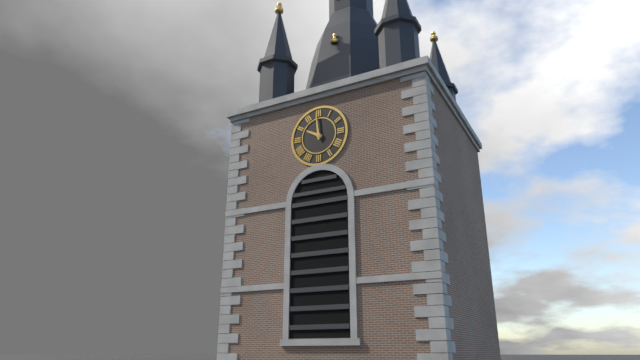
{"hour": 9, "minute": 59}
